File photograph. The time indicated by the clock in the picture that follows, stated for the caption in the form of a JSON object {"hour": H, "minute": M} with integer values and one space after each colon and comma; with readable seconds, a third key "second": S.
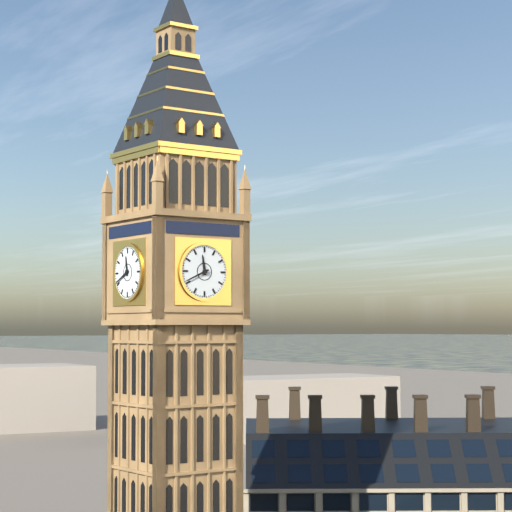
{"hour": 11, "minute": 41}
